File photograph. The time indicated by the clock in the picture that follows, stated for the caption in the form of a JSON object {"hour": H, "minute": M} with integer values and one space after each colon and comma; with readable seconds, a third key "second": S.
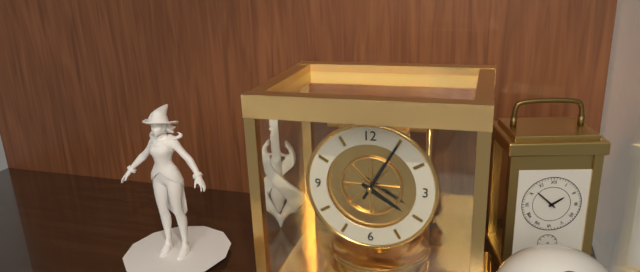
{"hour": 4, "minute": 5}
